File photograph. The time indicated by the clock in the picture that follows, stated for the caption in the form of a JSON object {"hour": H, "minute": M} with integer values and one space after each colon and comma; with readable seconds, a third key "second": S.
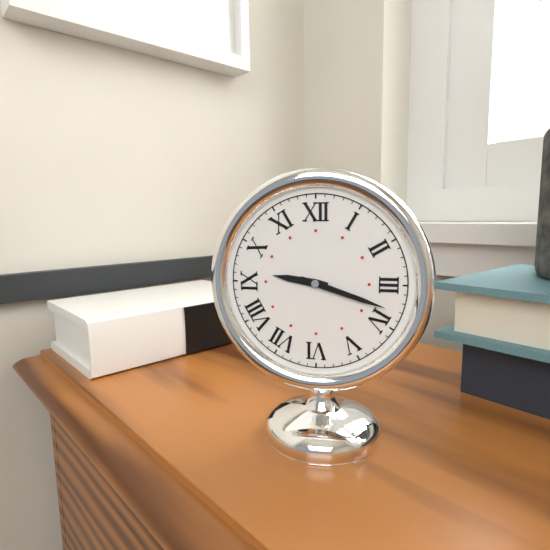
{"hour": 9, "minute": 18}
